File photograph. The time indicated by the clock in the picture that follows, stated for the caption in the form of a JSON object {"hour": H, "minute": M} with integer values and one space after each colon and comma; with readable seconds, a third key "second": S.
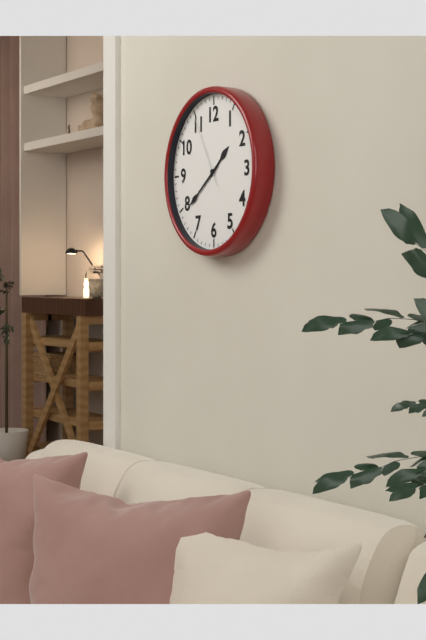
{"hour": 1, "minute": 39, "second": 55}
